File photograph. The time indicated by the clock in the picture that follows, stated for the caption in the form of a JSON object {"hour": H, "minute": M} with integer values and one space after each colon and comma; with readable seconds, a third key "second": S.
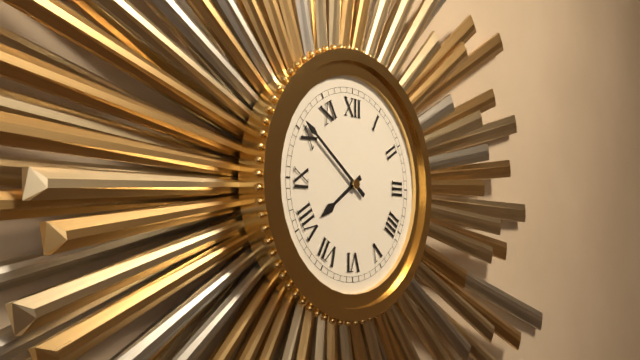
{"hour": 7, "minute": 51}
